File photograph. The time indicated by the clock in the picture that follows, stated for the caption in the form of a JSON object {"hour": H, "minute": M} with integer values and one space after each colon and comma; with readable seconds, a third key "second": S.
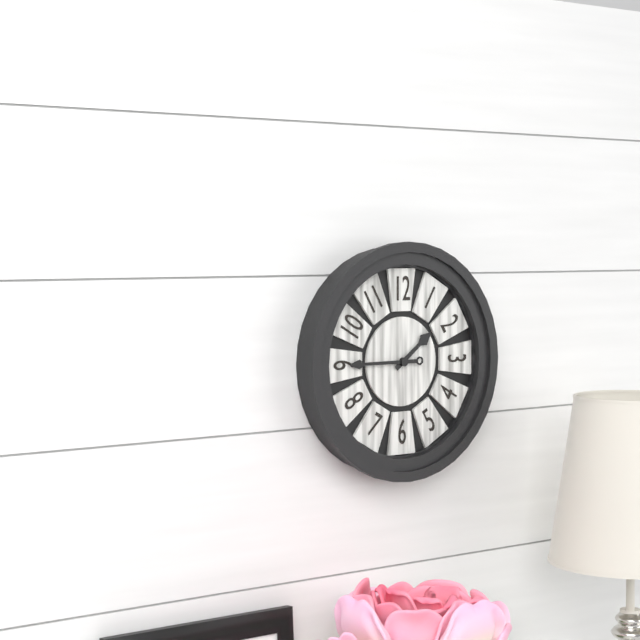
{"hour": 1, "minute": 45}
